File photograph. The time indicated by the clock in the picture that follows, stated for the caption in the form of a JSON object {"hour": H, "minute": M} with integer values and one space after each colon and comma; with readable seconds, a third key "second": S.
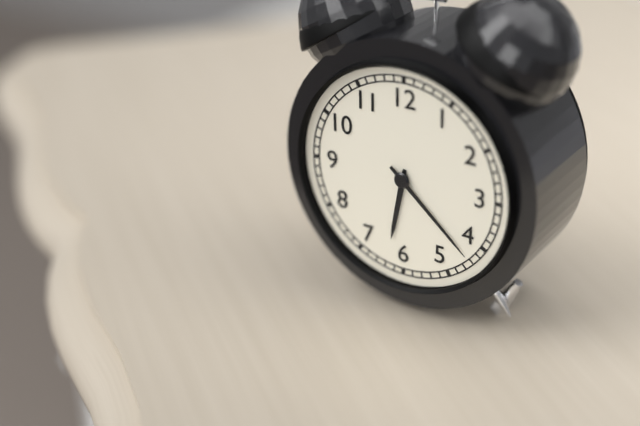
{"hour": 6, "minute": 22}
